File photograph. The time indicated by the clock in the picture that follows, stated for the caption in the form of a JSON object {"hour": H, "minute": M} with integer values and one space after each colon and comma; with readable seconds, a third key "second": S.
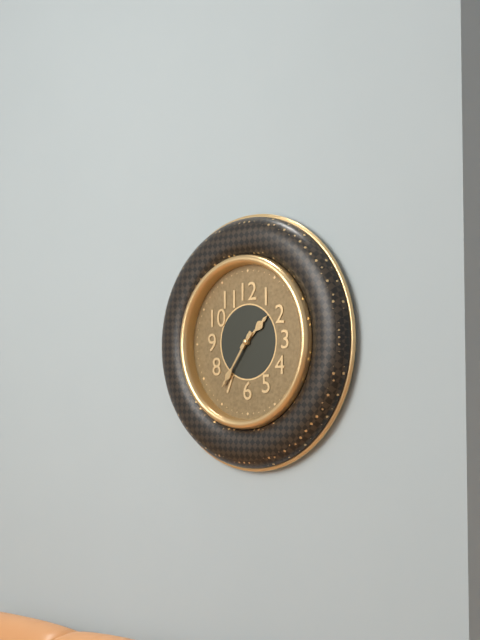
{"hour": 1, "minute": 36}
